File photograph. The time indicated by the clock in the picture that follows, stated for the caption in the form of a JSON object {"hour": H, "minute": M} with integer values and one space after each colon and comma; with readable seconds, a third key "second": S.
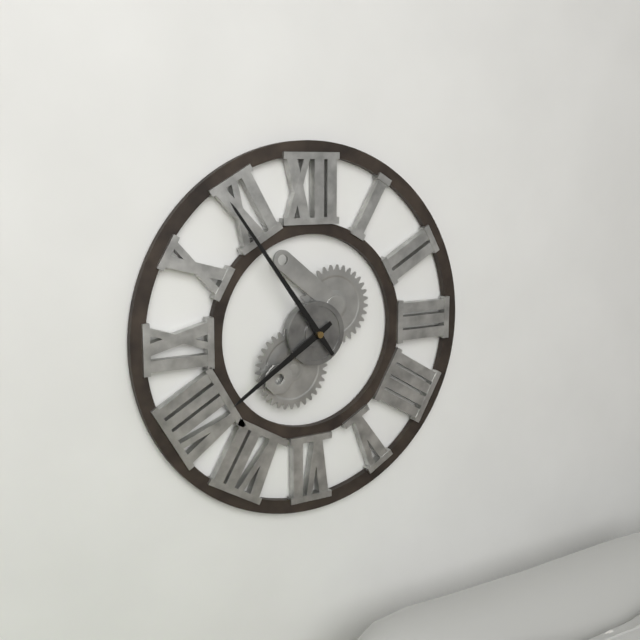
{"hour": 7, "minute": 54}
